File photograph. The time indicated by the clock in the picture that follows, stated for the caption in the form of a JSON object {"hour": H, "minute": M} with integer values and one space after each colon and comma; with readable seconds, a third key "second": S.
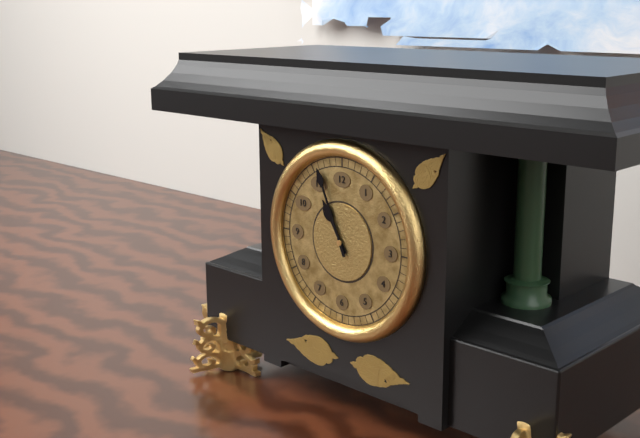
{"hour": 10, "minute": 56}
